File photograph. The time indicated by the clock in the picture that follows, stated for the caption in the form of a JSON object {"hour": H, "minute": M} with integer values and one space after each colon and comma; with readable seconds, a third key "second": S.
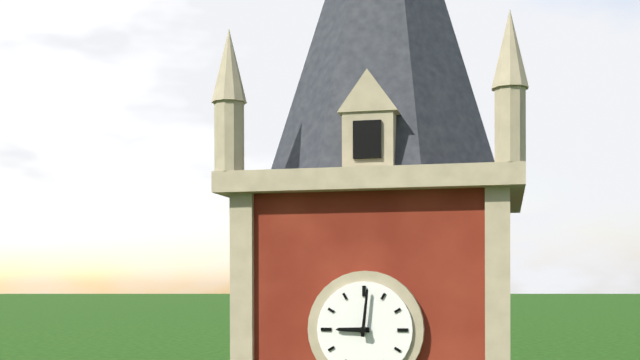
{"hour": 9, "minute": 1}
